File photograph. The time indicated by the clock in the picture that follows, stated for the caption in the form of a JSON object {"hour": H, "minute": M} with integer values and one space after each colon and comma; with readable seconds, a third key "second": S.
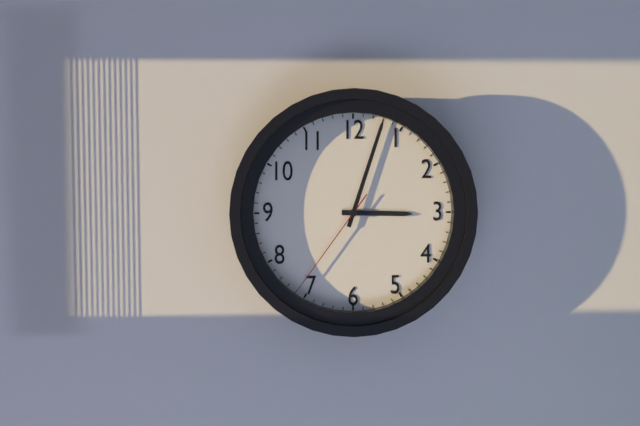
{"hour": 3, "minute": 3, "second": 36}
